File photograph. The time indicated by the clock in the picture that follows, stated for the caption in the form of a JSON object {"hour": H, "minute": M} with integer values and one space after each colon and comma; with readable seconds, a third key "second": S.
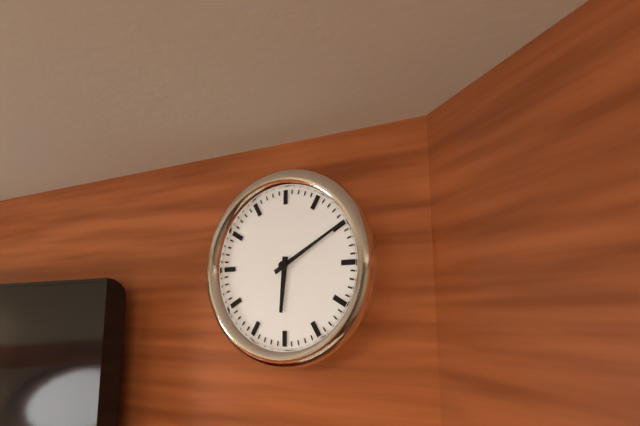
{"hour": 6, "minute": 10}
